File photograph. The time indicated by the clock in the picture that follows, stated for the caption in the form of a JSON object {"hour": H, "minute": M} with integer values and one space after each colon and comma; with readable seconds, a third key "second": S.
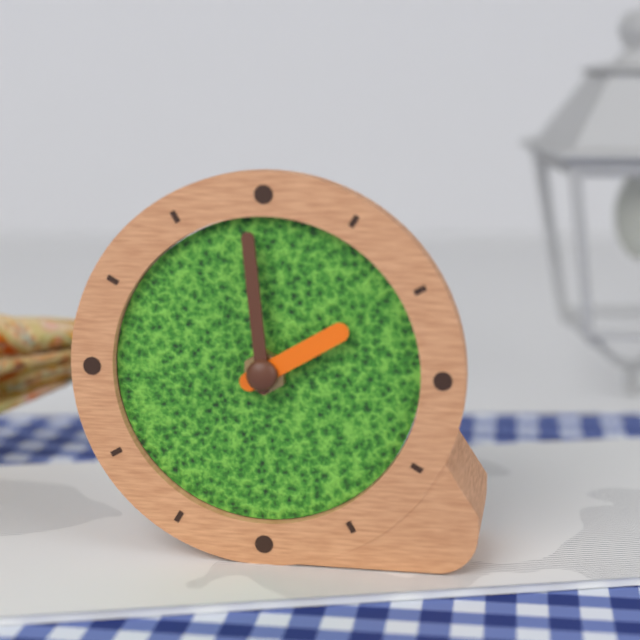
{"hour": 1, "minute": 59}
